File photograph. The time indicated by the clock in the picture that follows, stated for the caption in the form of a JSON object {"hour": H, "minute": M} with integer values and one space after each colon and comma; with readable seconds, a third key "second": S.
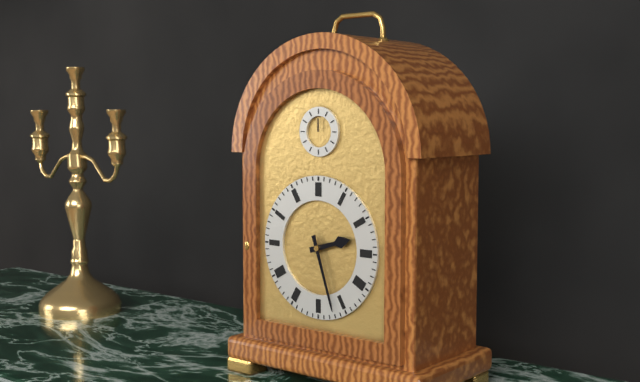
{"hour": 2, "minute": 27}
